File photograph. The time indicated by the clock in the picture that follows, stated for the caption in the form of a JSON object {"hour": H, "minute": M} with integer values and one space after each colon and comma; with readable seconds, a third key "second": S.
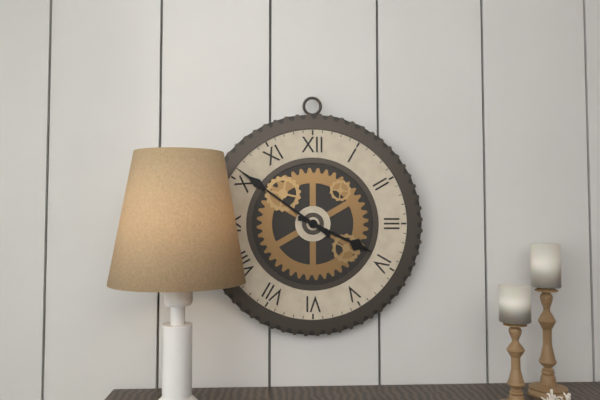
{"hour": 3, "minute": 51}
